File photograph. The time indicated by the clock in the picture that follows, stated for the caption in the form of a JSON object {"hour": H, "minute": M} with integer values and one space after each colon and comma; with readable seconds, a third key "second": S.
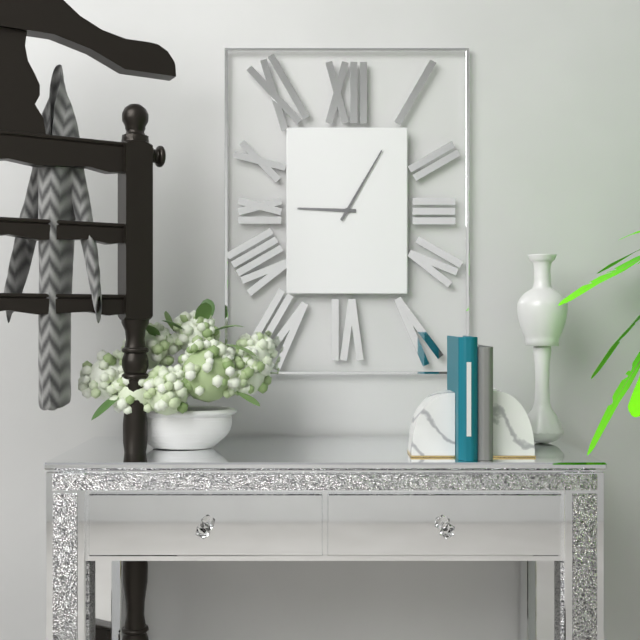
{"hour": 9, "minute": 5}
